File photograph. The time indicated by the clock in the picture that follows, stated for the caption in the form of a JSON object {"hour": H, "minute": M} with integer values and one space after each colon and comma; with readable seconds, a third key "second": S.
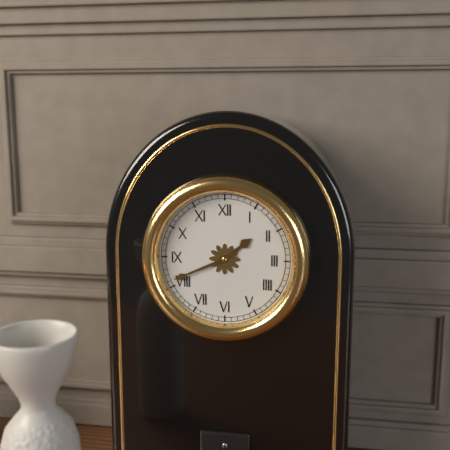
{"hour": 1, "minute": 41}
